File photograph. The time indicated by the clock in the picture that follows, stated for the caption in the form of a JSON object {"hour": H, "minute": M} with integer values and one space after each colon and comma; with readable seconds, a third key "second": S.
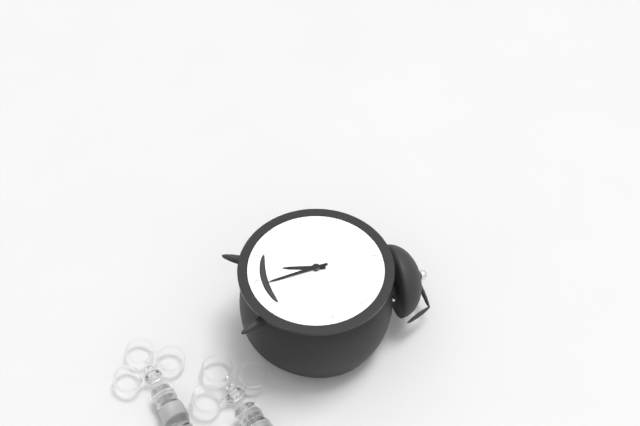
{"hour": 6, "minute": 29}
